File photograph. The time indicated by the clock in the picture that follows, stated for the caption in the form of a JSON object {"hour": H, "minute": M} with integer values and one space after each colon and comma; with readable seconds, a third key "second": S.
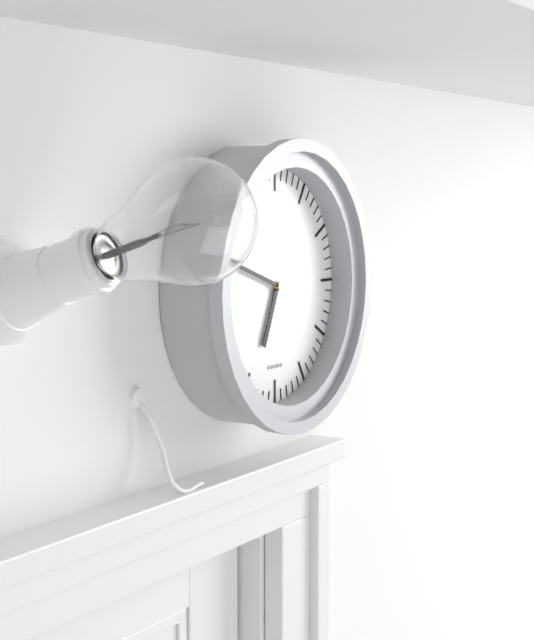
{"hour": 6, "minute": 48}
